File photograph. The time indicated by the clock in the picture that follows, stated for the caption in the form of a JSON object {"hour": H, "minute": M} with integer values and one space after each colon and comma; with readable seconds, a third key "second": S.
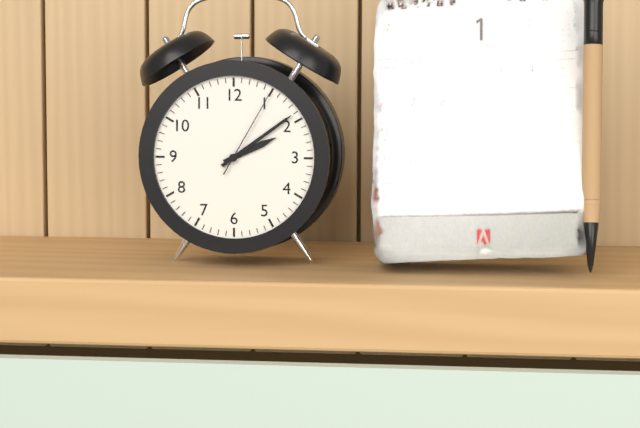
{"hour": 2, "minute": 9, "second": 5}
